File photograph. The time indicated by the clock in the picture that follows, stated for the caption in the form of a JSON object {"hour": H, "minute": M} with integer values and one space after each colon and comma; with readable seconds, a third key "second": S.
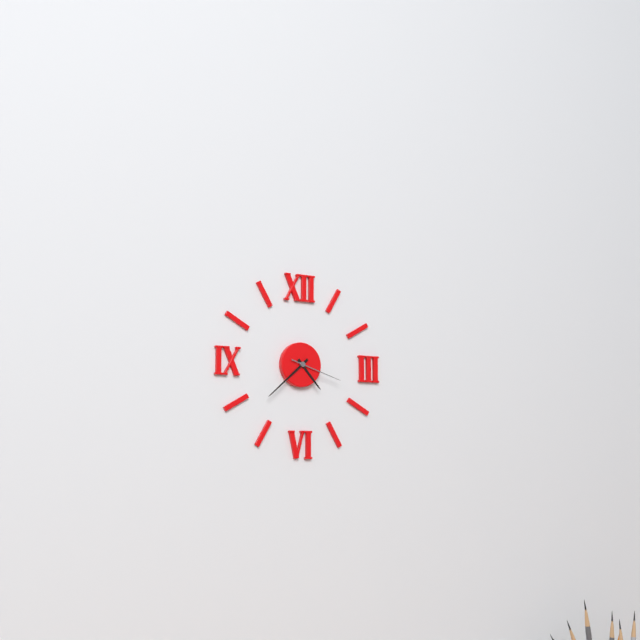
{"hour": 4, "minute": 38, "second": 18}
